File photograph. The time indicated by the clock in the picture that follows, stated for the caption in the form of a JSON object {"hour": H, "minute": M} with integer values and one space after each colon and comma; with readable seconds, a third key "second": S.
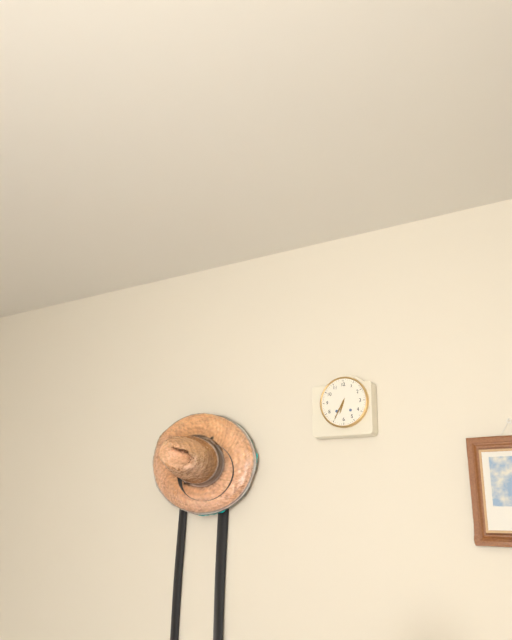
{"hour": 6, "minute": 35}
